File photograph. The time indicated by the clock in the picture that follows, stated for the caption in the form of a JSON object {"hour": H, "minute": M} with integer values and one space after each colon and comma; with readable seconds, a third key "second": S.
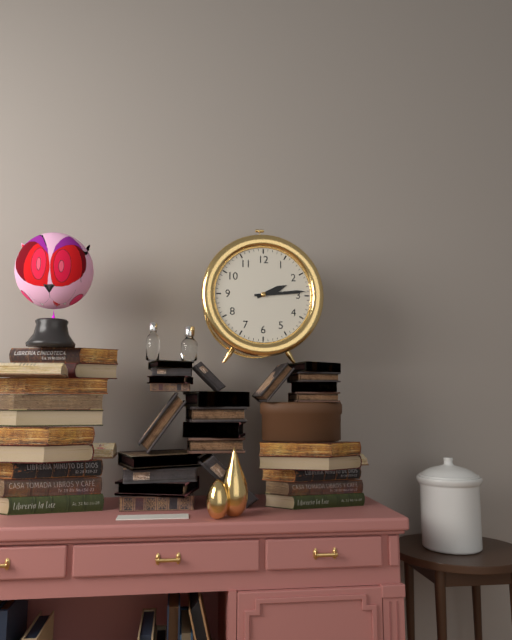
{"hour": 2, "minute": 14}
